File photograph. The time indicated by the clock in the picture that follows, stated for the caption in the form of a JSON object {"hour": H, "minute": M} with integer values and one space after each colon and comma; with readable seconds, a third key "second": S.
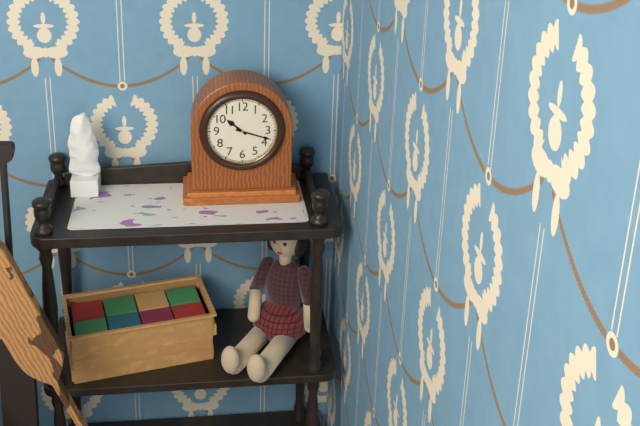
{"hour": 10, "minute": 18}
